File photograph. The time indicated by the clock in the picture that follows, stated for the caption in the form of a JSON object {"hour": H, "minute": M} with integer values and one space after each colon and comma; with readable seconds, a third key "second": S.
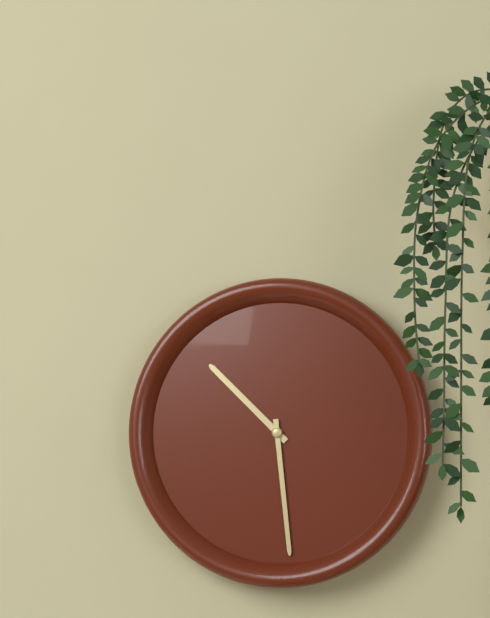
{"hour": 10, "minute": 29}
